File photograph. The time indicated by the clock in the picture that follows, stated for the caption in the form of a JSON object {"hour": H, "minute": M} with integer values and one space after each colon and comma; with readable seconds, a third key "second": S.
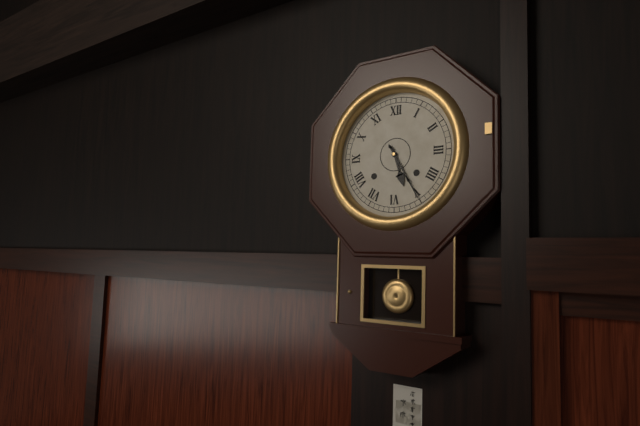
{"hour": 5, "minute": 25}
